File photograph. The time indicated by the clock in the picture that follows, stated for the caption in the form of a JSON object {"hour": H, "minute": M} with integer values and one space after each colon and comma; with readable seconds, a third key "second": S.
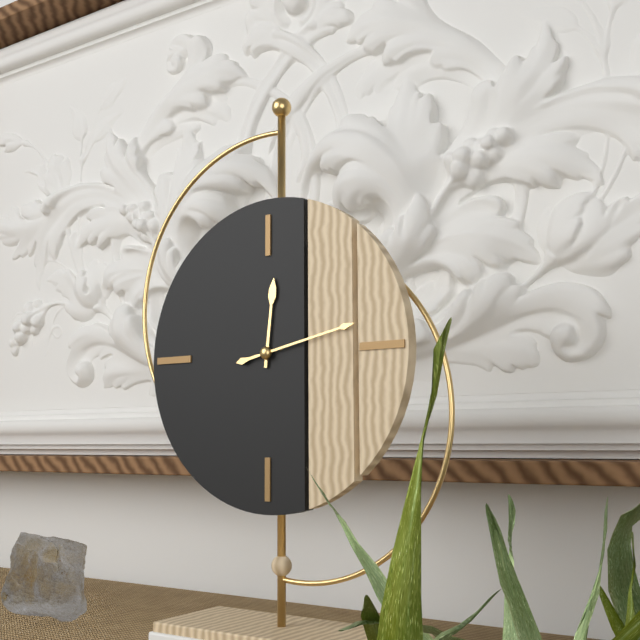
{"hour": 12, "minute": 13}
